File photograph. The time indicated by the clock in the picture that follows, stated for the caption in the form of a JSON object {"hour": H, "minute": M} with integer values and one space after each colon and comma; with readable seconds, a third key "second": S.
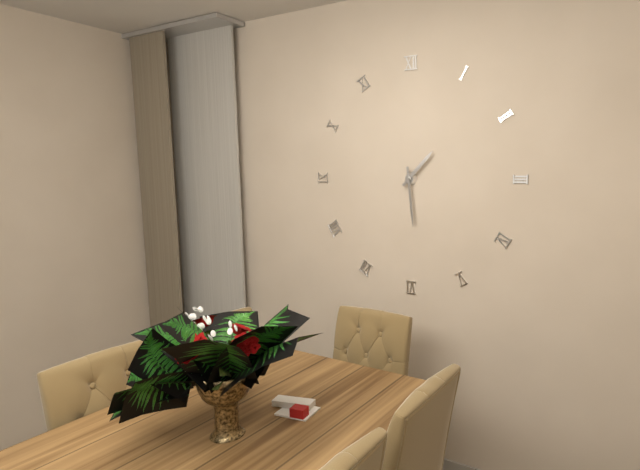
{"hour": 1, "minute": 29}
